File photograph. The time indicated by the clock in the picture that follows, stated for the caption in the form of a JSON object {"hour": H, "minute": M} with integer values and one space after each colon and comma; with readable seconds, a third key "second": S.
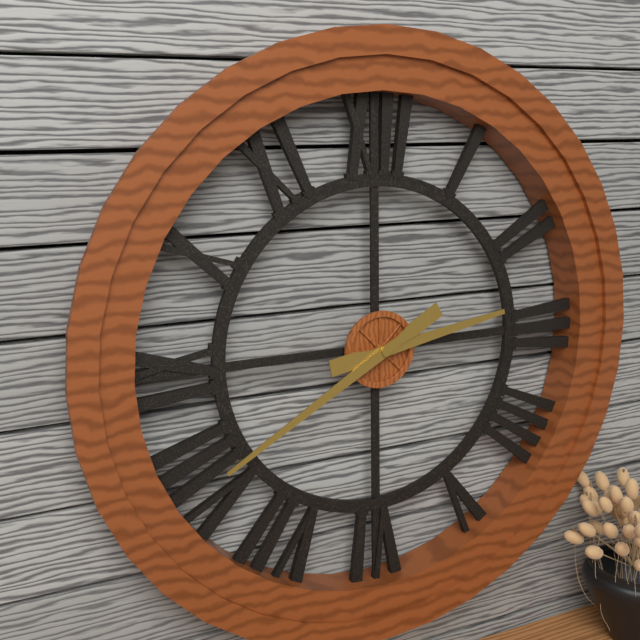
{"hour": 2, "minute": 40}
